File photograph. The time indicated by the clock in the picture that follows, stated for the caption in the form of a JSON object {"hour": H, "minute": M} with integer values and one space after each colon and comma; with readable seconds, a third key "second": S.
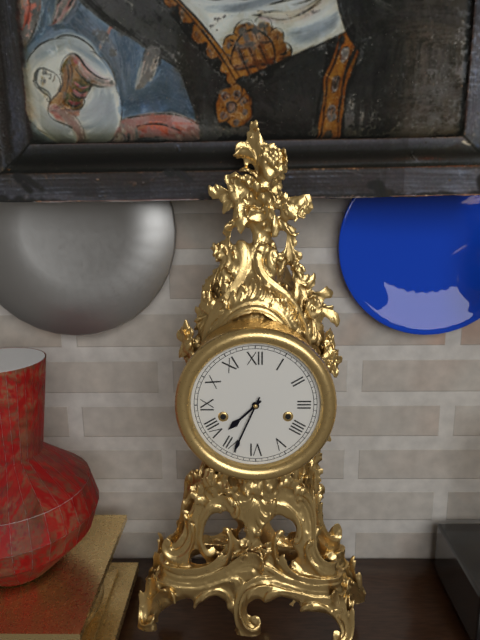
{"hour": 7, "minute": 34}
